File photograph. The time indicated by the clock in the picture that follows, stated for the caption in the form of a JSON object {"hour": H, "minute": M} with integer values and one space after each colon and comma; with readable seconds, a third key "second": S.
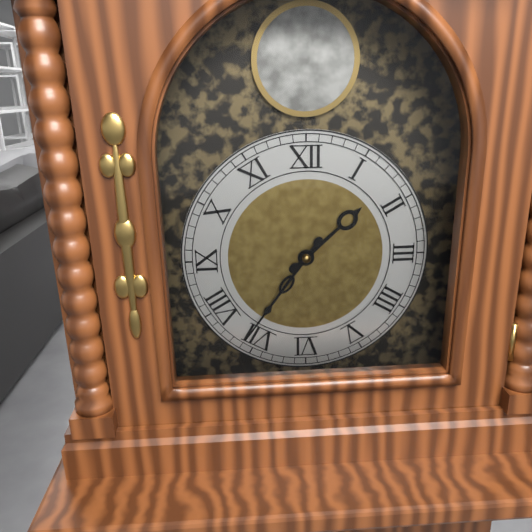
{"hour": 1, "minute": 36}
